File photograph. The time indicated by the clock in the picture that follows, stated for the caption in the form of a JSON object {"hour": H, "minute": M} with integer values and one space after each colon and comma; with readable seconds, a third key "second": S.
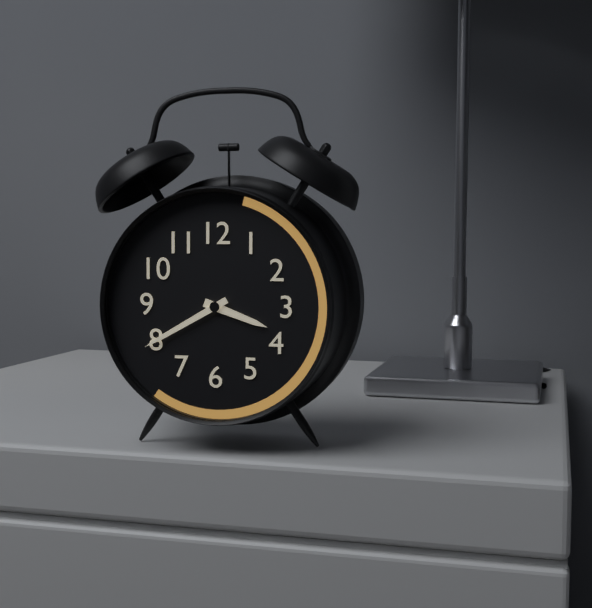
{"hour": 3, "minute": 40}
